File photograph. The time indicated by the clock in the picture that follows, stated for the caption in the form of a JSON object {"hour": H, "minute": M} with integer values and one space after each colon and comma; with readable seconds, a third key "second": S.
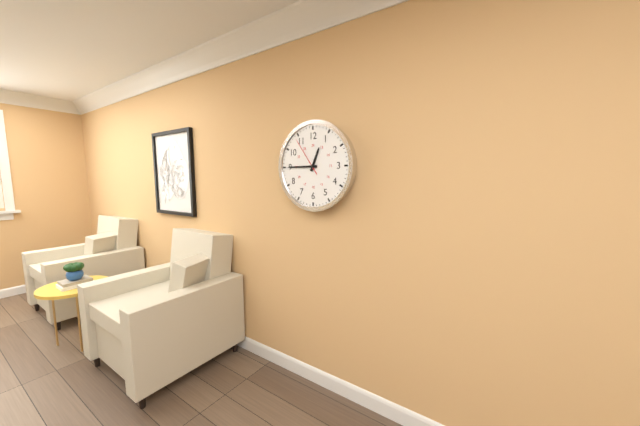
{"hour": 12, "minute": 45}
